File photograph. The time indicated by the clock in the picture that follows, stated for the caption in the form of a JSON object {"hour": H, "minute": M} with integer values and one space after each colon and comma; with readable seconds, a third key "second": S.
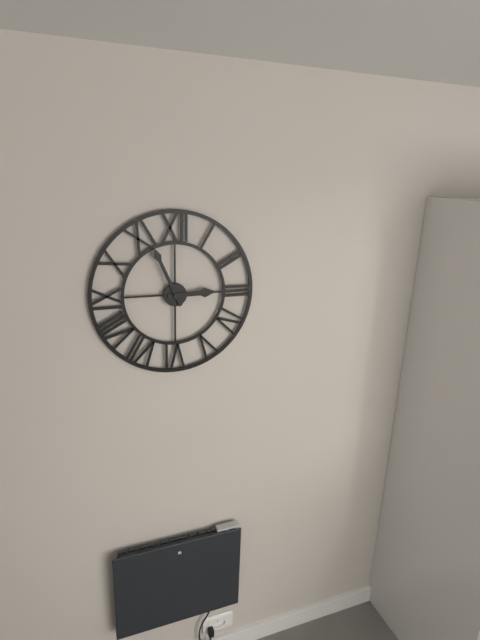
{"hour": 2, "minute": 56}
